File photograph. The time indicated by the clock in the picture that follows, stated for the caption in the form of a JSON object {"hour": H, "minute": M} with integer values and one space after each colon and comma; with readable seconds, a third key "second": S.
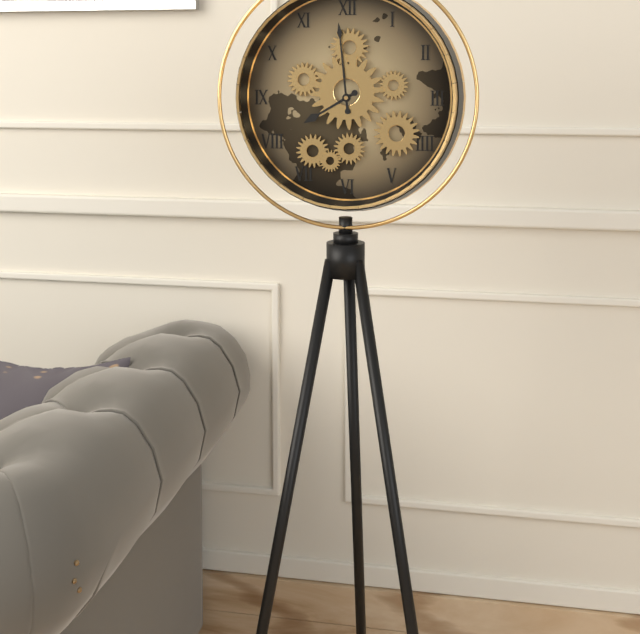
{"hour": 7, "minute": 59}
